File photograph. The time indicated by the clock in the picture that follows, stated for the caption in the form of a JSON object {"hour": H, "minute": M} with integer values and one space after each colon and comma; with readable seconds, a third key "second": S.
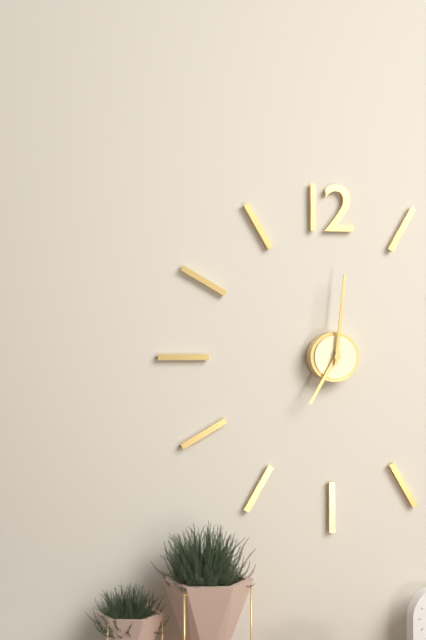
{"hour": 7, "minute": 1}
